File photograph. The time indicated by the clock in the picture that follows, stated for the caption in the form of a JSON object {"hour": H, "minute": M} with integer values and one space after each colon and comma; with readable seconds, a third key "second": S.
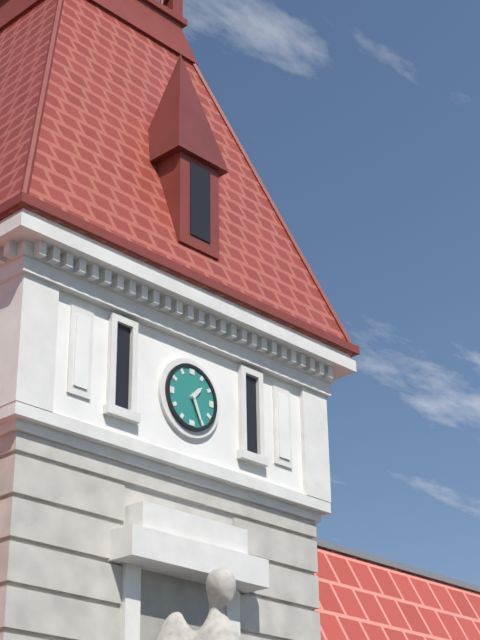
{"hour": 1, "minute": 26}
